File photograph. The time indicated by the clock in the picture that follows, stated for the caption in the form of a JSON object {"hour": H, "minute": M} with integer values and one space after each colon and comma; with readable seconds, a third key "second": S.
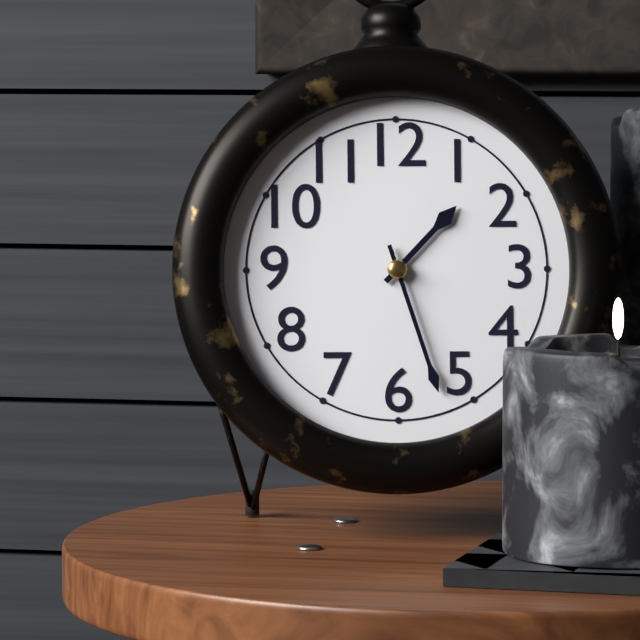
{"hour": 1, "minute": 27}
